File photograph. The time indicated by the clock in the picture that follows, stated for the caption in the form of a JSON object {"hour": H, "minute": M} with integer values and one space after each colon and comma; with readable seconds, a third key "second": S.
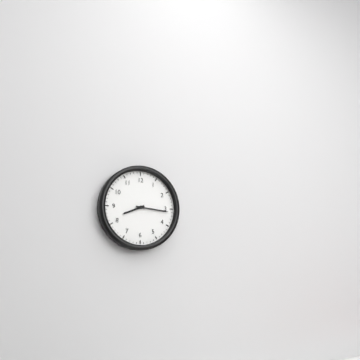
{"hour": 8, "minute": 16}
